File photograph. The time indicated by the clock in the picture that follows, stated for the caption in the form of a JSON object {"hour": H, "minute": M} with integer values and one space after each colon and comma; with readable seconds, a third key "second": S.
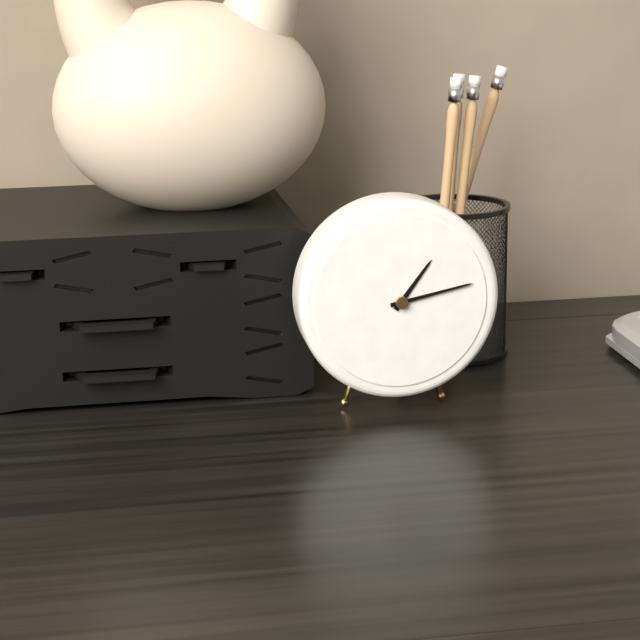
{"hour": 1, "minute": 13}
